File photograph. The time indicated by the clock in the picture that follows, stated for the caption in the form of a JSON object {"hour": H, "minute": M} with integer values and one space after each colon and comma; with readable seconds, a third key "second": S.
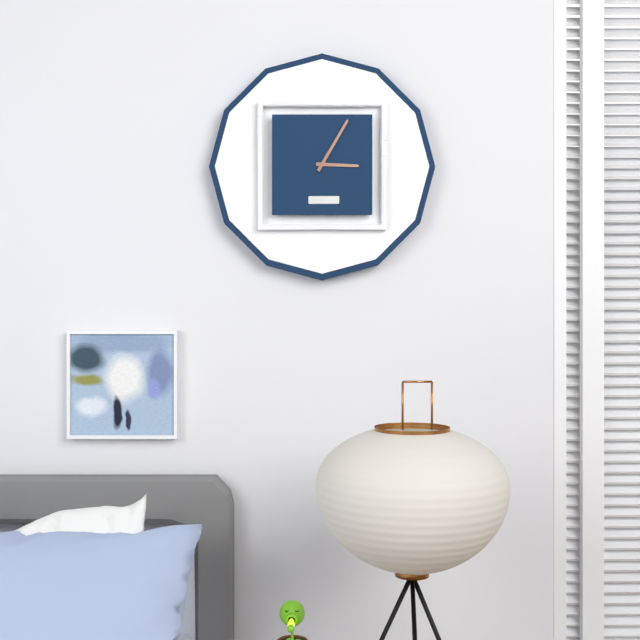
{"hour": 3, "minute": 5}
